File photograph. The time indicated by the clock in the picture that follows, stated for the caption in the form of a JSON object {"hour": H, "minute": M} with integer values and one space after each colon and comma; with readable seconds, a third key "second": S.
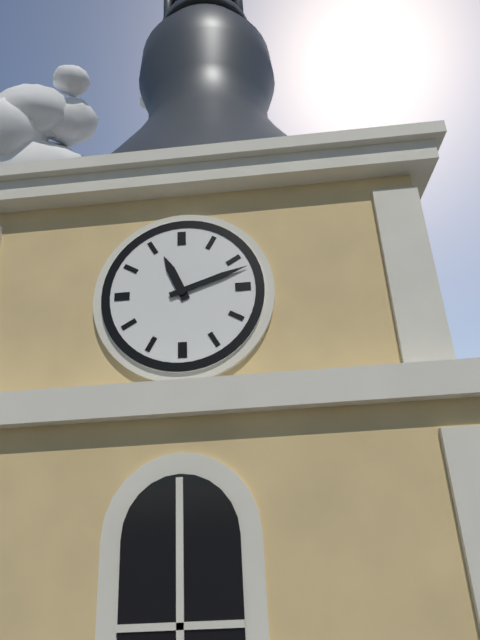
{"hour": 11, "minute": 12}
